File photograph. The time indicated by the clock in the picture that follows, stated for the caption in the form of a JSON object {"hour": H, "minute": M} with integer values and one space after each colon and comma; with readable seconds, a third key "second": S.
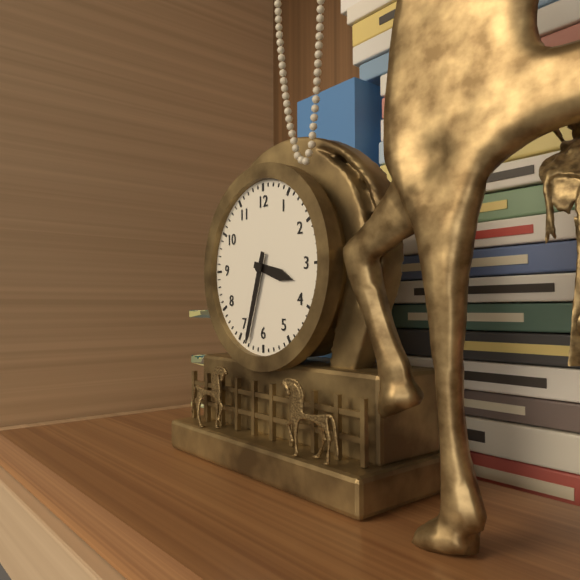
{"hour": 3, "minute": 33}
